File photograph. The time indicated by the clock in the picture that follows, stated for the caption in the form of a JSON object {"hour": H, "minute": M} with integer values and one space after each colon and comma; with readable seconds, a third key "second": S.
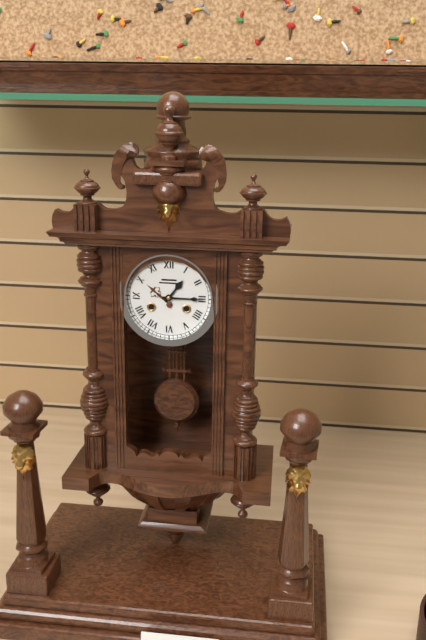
{"hour": 1, "minute": 15}
